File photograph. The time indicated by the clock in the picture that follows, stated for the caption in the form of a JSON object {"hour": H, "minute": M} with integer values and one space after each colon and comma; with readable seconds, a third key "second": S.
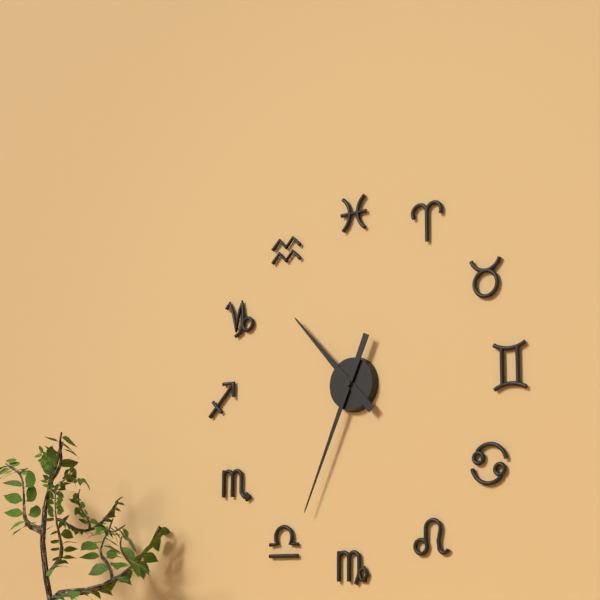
{"hour": 10, "minute": 34}
